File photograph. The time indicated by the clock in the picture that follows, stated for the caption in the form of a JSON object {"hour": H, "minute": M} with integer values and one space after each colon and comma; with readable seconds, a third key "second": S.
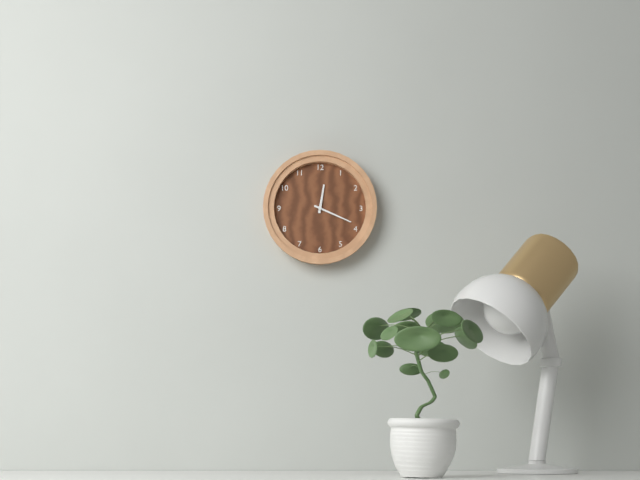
{"hour": 12, "minute": 19}
